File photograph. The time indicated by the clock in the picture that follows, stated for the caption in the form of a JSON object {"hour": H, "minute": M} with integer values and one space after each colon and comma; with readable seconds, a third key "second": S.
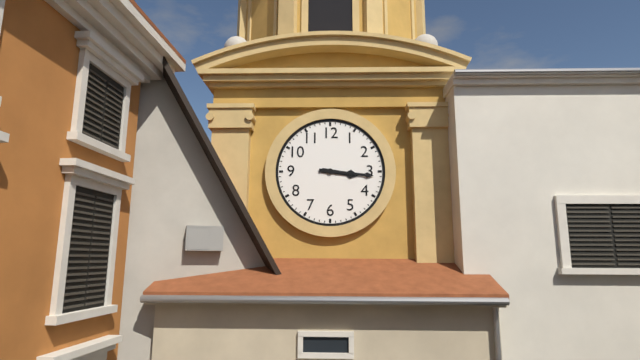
{"hour": 3, "minute": 16}
